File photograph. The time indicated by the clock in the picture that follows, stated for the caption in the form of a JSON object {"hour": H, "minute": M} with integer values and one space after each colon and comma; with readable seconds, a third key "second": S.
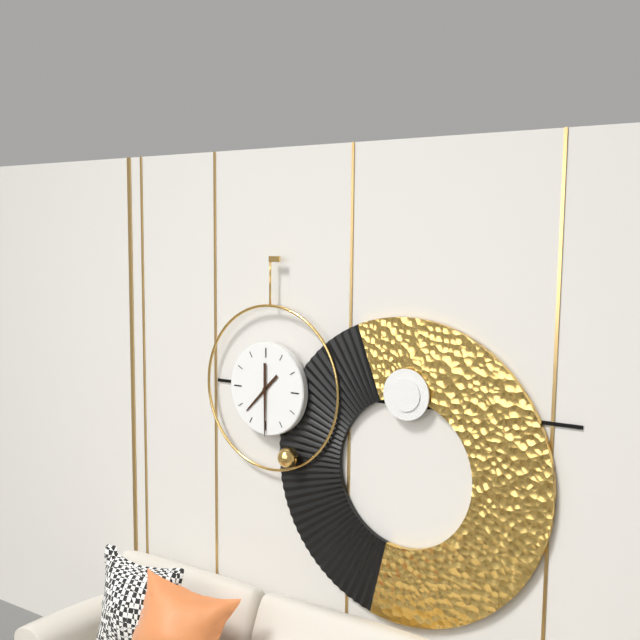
{"hour": 7, "minute": 30}
